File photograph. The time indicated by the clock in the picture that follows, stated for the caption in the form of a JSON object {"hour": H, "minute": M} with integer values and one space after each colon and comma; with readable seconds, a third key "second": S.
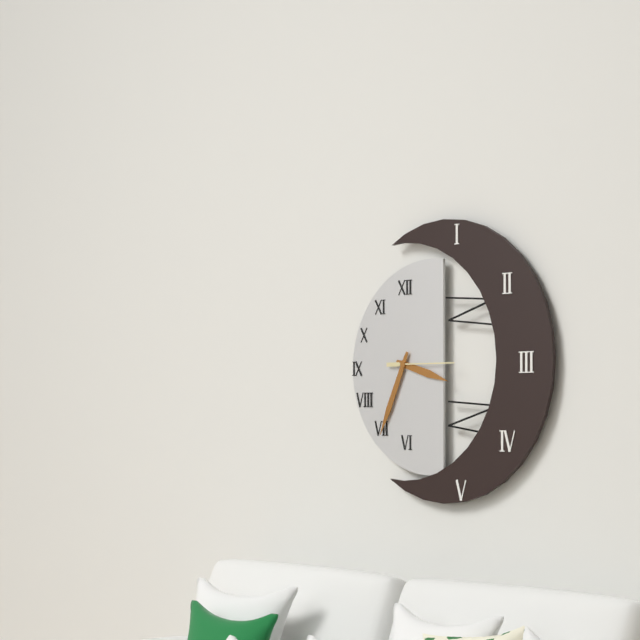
{"hour": 3, "minute": 34, "second": 15}
